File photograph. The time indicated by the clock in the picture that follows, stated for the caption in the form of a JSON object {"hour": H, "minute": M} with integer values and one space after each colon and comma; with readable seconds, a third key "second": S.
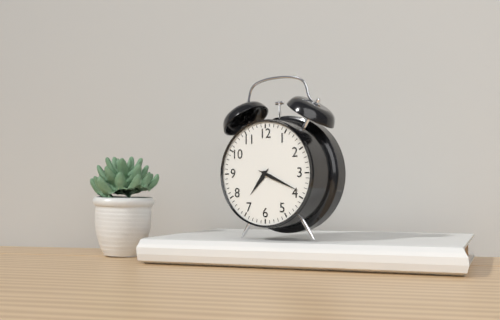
{"hour": 7, "minute": 19}
